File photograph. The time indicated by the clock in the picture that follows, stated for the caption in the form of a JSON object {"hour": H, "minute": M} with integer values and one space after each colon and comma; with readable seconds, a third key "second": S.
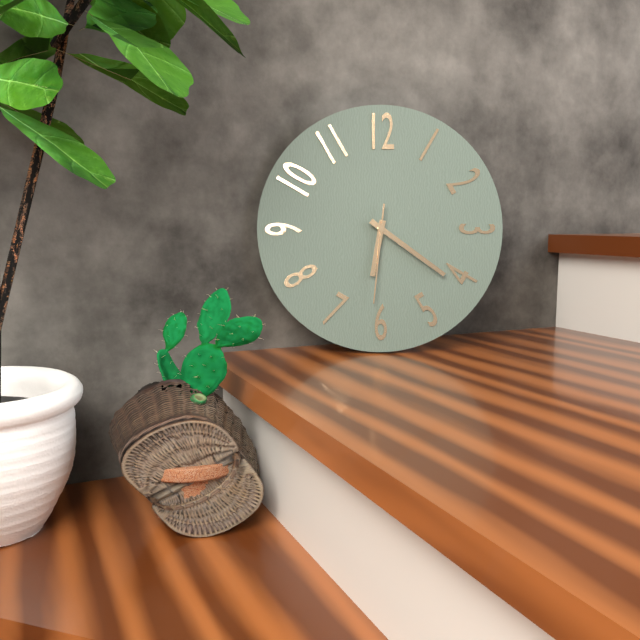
{"hour": 6, "minute": 21, "second": 31}
